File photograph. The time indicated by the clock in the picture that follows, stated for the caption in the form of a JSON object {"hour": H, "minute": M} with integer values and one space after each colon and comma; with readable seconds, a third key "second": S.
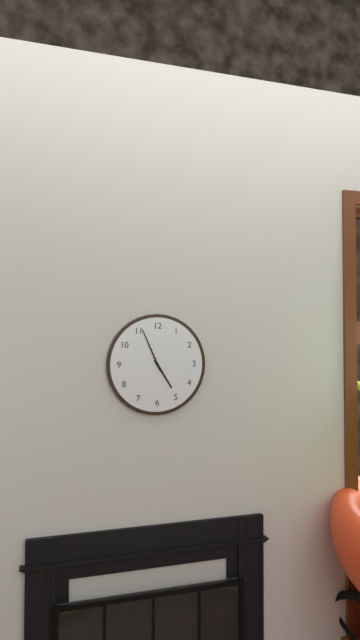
{"hour": 4, "minute": 56}
